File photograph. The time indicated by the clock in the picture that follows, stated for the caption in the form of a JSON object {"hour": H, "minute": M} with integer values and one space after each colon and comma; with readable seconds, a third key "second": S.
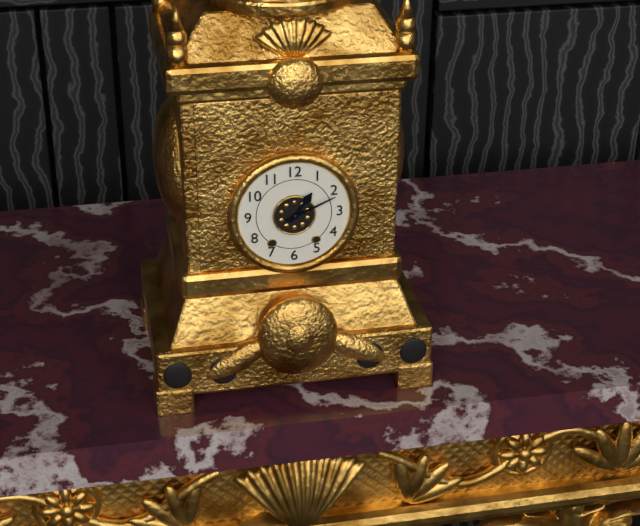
{"hour": 1, "minute": 11}
